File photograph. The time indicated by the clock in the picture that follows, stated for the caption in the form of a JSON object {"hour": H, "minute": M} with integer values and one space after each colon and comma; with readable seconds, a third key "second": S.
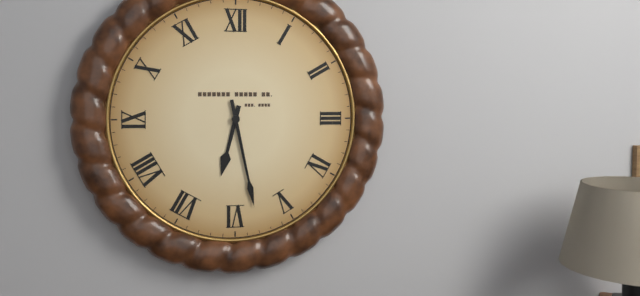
{"hour": 6, "minute": 28}
